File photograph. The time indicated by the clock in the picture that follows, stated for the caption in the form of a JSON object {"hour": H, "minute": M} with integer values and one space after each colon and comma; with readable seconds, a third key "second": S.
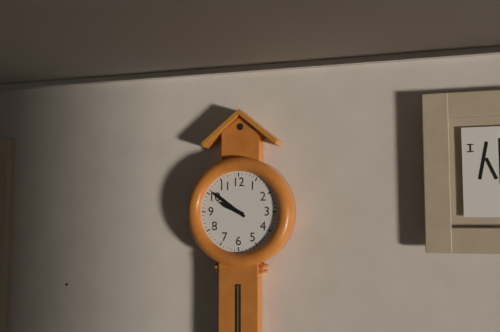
{"hour": 9, "minute": 51}
